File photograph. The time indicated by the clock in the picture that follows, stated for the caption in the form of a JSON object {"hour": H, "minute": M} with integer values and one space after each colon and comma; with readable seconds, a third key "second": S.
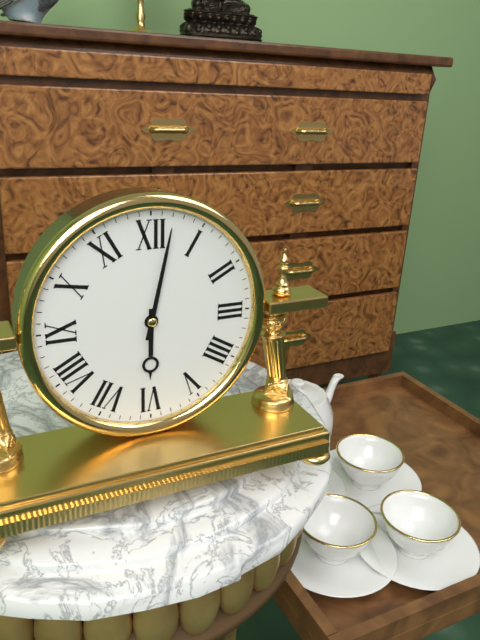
{"hour": 6, "minute": 2}
